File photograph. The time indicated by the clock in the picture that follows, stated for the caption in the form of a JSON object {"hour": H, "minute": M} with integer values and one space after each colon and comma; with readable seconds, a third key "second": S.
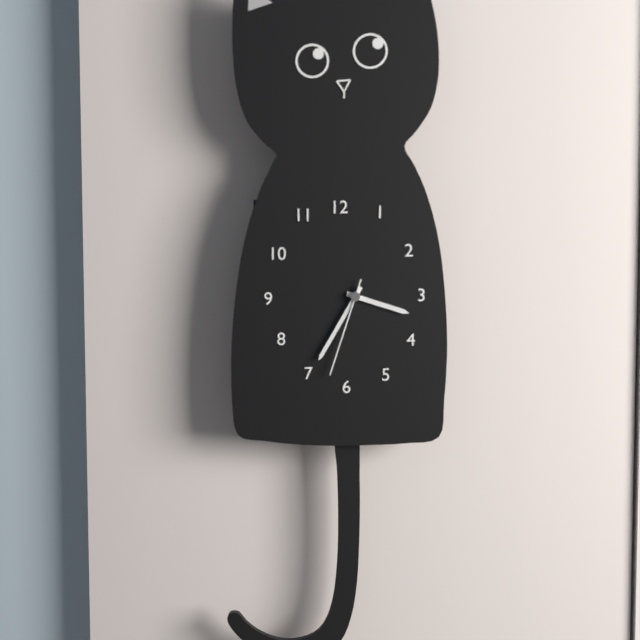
{"hour": 3, "minute": 35, "second": 33}
